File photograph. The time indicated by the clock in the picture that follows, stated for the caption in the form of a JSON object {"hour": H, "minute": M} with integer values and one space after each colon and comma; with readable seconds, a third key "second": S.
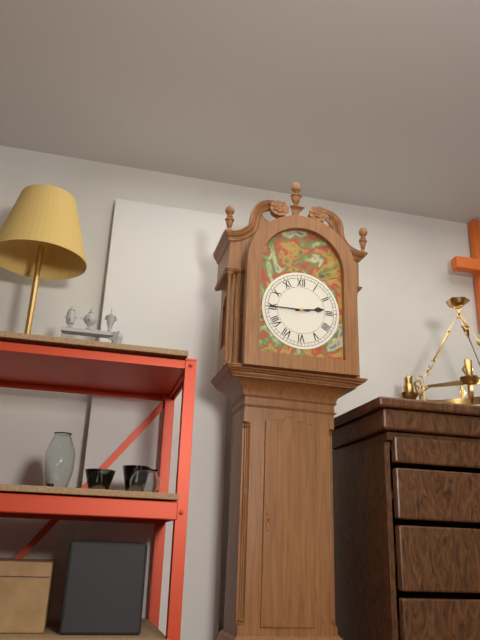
{"hour": 2, "minute": 45}
